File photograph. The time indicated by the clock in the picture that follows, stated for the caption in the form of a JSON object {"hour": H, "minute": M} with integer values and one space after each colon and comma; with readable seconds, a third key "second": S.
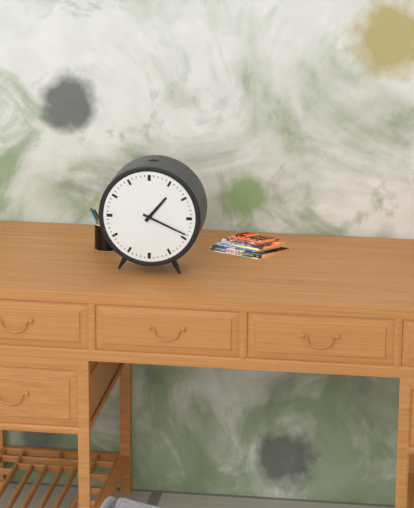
{"hour": 1, "minute": 19}
